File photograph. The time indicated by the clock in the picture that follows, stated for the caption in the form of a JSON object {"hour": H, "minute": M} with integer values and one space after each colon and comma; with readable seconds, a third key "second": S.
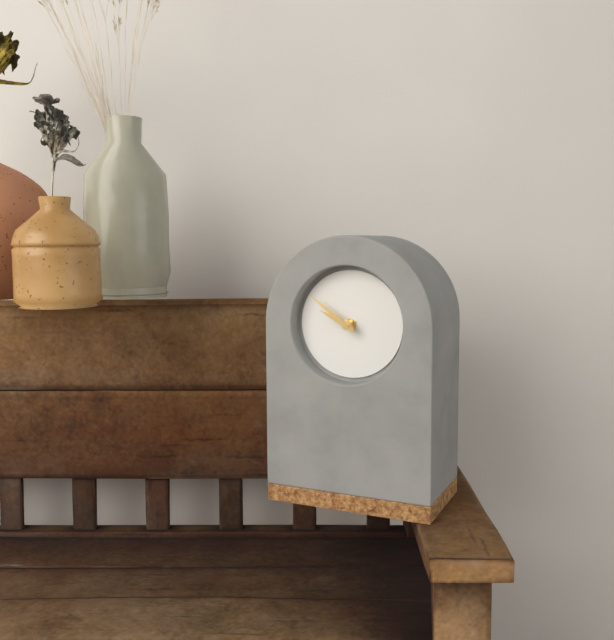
{"hour": 9, "minute": 51}
